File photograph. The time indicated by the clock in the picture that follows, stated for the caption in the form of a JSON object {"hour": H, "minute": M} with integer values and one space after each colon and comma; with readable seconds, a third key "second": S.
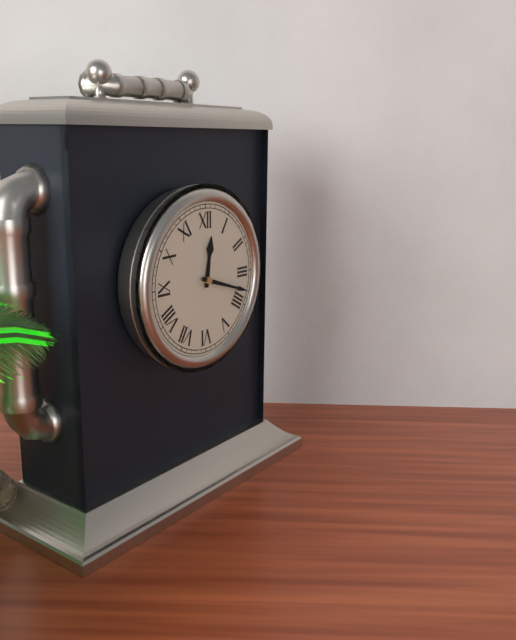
{"hour": 12, "minute": 18}
